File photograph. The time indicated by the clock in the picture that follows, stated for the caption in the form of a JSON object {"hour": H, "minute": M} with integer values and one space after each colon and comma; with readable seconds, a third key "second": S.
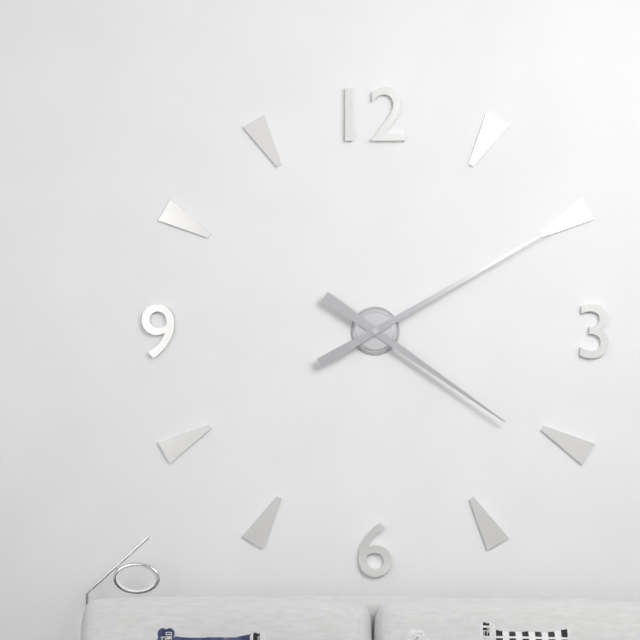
{"hour": 4, "minute": 10}
